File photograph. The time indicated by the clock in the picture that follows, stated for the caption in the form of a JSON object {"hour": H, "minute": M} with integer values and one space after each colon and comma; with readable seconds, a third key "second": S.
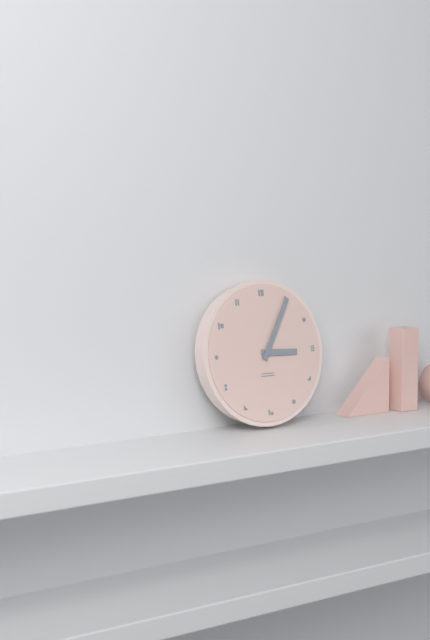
{"hour": 3, "minute": 5}
